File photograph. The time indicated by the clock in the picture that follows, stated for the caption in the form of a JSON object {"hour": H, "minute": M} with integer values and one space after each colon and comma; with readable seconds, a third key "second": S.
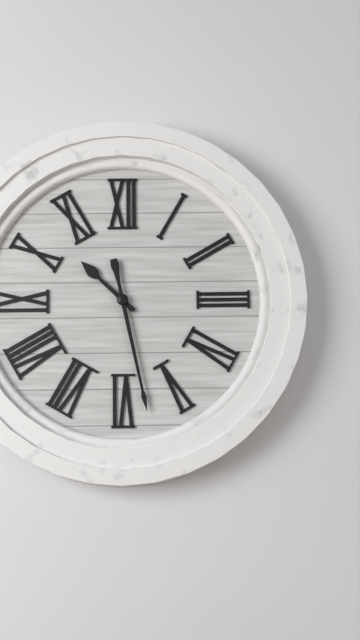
{"hour": 10, "minute": 28}
